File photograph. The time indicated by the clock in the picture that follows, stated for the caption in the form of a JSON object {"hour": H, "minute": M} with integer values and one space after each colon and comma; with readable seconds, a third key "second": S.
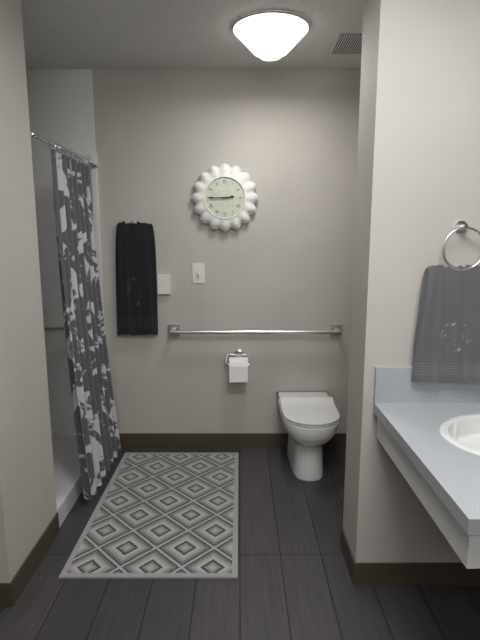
{"hour": 2, "minute": 45}
